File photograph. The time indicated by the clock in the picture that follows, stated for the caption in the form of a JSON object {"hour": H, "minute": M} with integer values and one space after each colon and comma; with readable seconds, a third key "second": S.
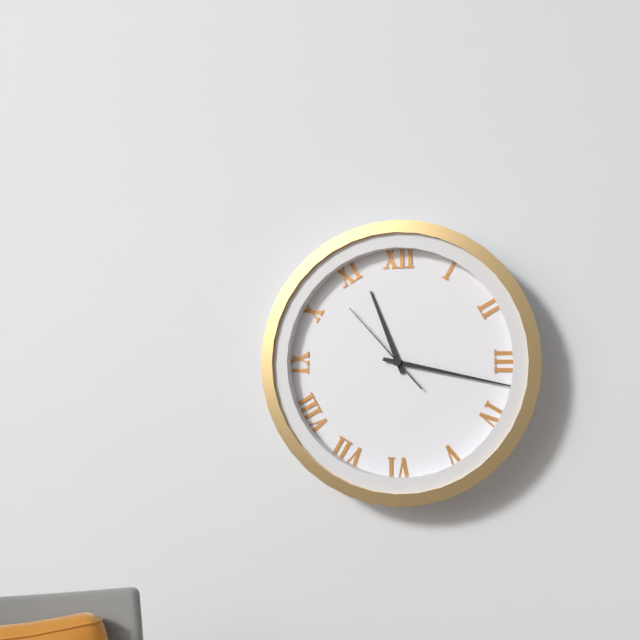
{"hour": 11, "minute": 17, "second": 53}
